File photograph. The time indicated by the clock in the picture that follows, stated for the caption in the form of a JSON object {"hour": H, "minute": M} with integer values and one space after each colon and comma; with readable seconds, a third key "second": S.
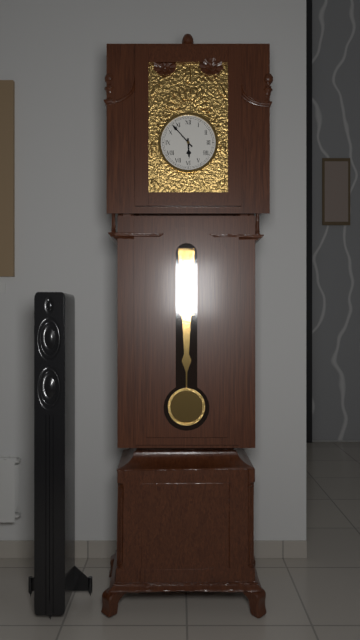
{"hour": 5, "minute": 53}
